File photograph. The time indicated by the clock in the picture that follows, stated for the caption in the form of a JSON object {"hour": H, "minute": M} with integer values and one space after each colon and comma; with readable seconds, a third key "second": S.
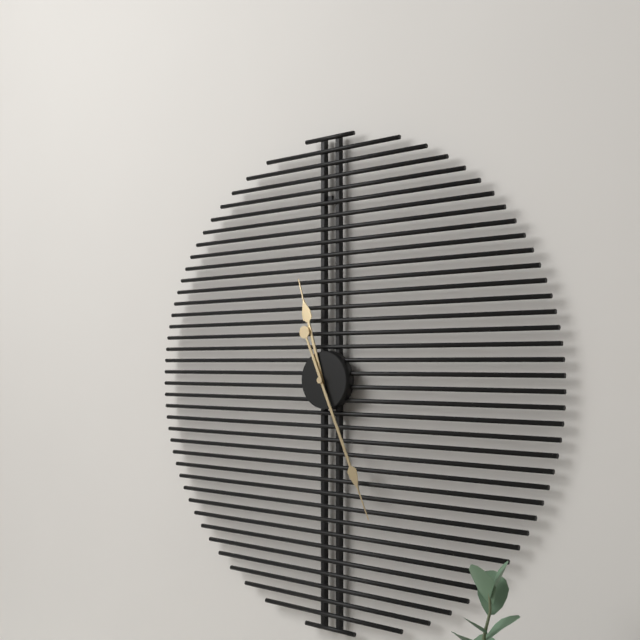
{"hour": 11, "minute": 26}
